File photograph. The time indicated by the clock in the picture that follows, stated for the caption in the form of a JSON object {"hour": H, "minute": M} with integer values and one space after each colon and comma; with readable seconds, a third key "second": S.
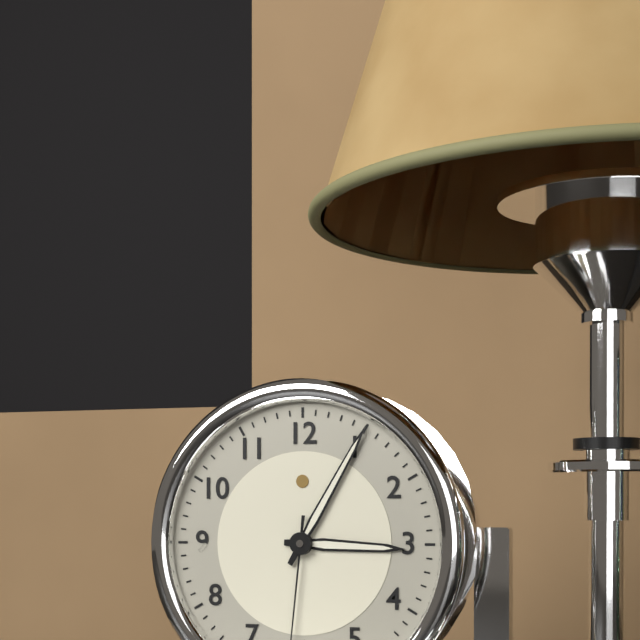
{"hour": 3, "minute": 5}
